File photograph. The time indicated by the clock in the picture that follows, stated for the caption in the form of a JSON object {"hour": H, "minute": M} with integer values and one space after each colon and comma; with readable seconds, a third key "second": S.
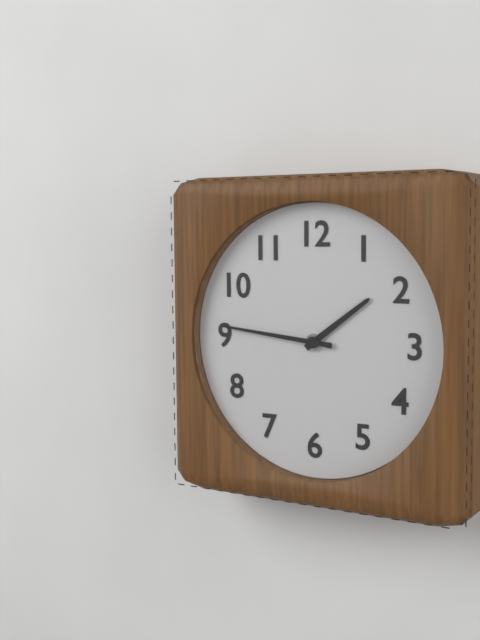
{"hour": 1, "minute": 46}
